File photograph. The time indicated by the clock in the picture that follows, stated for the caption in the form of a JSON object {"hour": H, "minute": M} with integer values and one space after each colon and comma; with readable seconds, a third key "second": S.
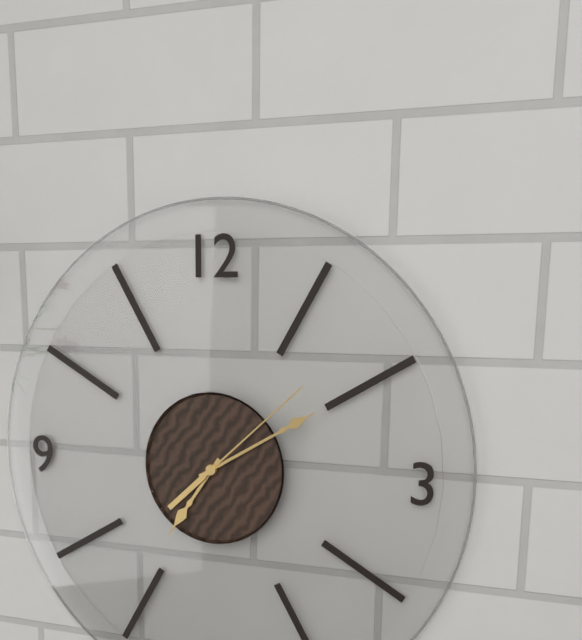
{"hour": 7, "minute": 10, "second": 8}
